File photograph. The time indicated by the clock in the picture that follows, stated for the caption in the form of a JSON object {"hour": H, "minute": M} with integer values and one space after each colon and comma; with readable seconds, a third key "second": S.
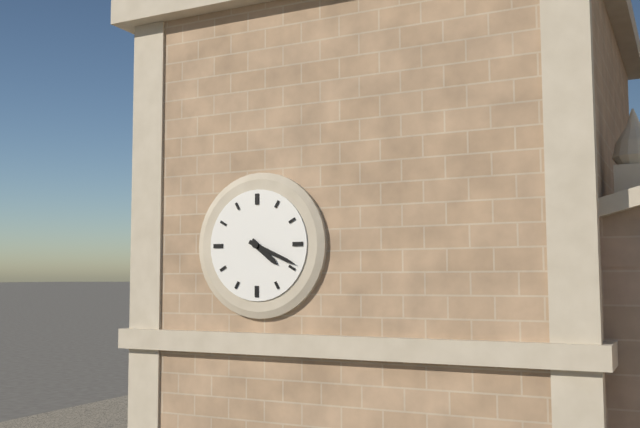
{"hour": 4, "minute": 19}
